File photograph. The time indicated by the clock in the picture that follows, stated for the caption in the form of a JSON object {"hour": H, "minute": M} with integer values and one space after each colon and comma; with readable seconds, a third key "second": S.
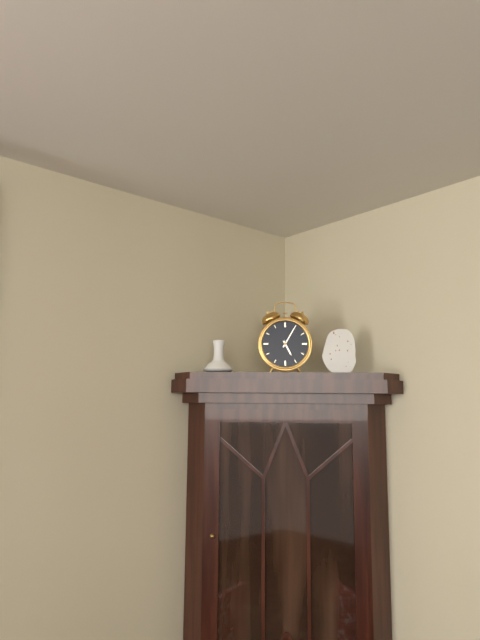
{"hour": 5, "minute": 5}
